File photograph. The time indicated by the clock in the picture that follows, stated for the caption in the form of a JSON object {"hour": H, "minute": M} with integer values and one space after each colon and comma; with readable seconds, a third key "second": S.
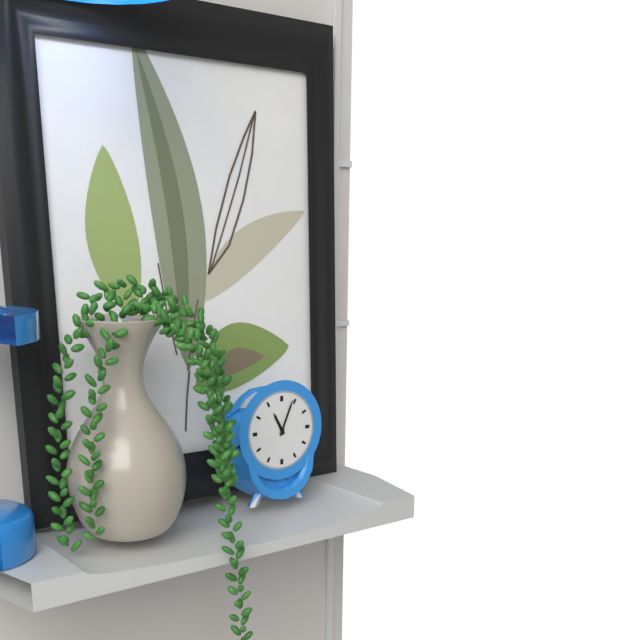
{"hour": 11, "minute": 4}
